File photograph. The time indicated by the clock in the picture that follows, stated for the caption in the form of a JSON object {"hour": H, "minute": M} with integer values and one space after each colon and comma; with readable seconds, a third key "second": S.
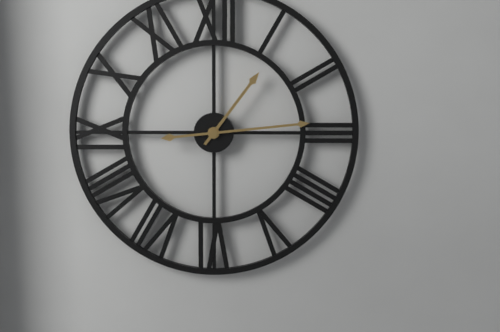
{"hour": 1, "minute": 14}
